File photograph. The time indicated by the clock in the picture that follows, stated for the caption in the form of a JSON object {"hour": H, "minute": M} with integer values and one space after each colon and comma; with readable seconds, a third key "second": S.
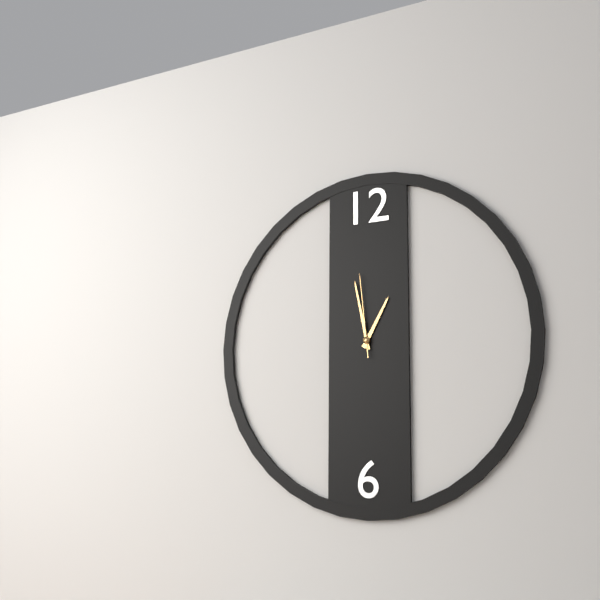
{"hour": 12, "minute": 58, "second": 59}
